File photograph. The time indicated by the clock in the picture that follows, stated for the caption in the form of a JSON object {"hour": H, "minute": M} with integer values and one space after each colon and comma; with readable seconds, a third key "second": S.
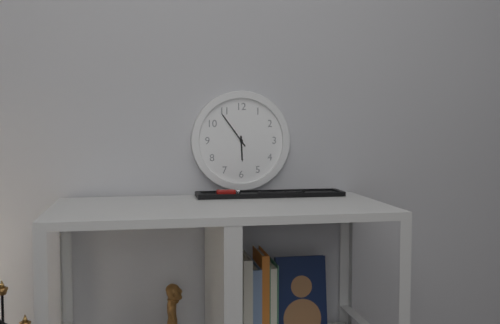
{"hour": 5, "minute": 54}
